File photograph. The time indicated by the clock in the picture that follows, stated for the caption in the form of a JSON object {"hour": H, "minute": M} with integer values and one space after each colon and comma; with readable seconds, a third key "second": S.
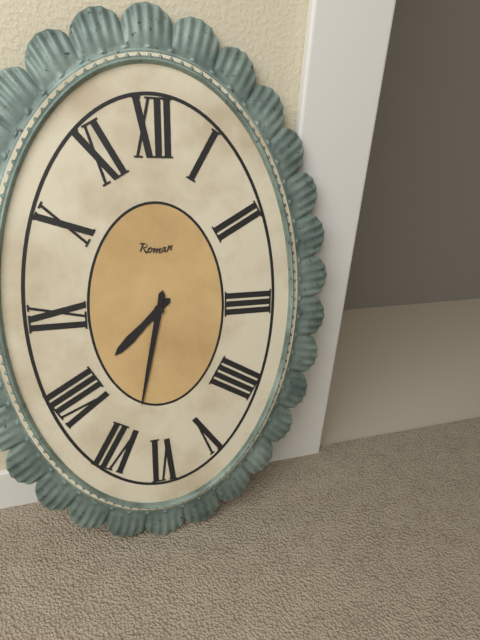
{"hour": 7, "minute": 32}
